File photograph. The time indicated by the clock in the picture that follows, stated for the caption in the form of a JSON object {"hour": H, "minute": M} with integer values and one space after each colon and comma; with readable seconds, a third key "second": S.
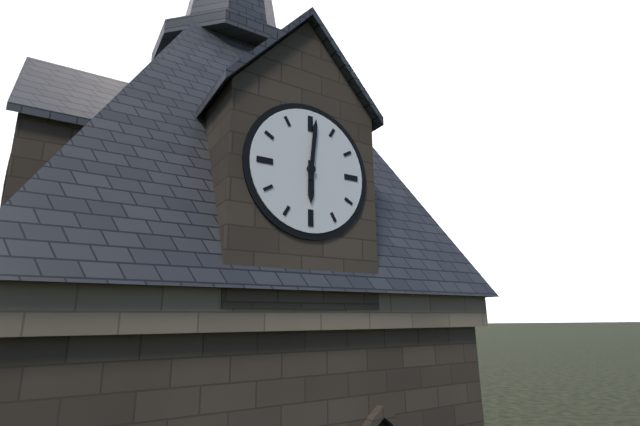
{"hour": 6, "minute": 1}
